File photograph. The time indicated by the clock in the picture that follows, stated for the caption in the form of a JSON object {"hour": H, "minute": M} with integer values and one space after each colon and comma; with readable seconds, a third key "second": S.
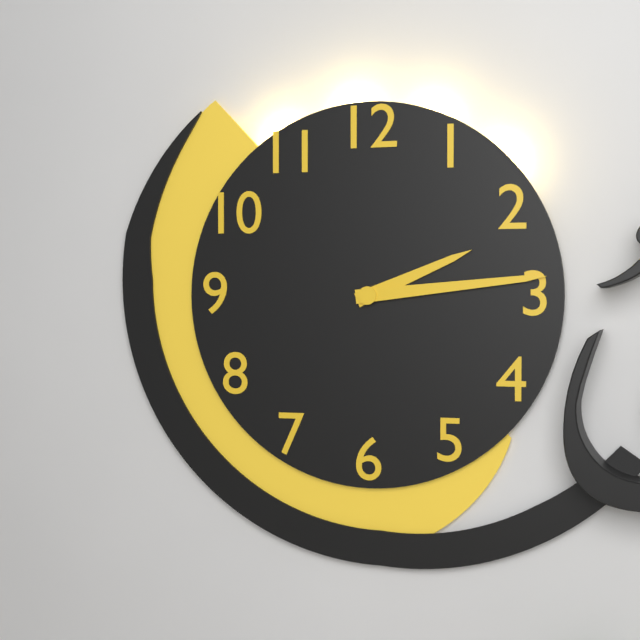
{"hour": 2, "minute": 14}
